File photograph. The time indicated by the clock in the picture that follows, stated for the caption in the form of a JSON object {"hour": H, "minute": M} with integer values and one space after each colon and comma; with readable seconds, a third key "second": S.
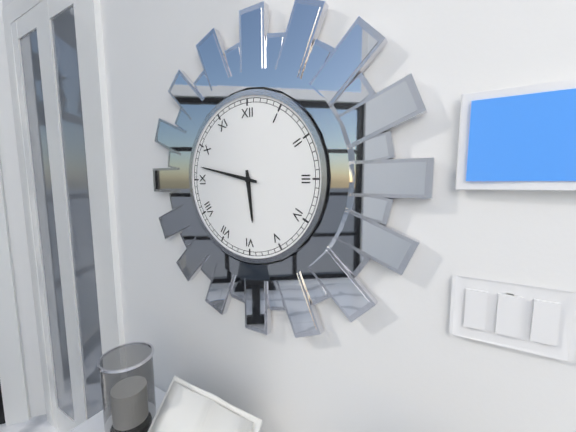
{"hour": 5, "minute": 47}
